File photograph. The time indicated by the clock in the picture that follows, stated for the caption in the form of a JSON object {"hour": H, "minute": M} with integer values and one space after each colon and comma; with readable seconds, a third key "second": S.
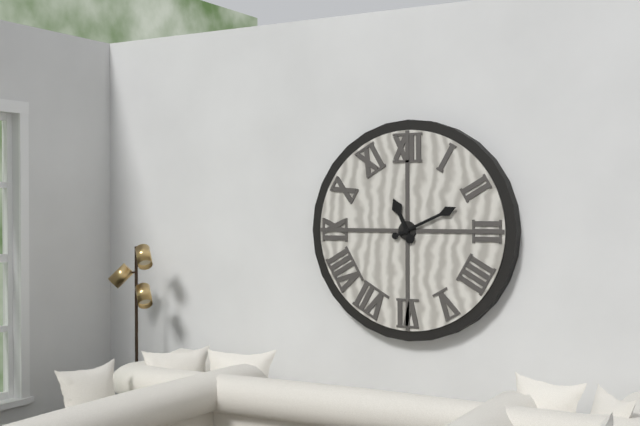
{"hour": 11, "minute": 11}
